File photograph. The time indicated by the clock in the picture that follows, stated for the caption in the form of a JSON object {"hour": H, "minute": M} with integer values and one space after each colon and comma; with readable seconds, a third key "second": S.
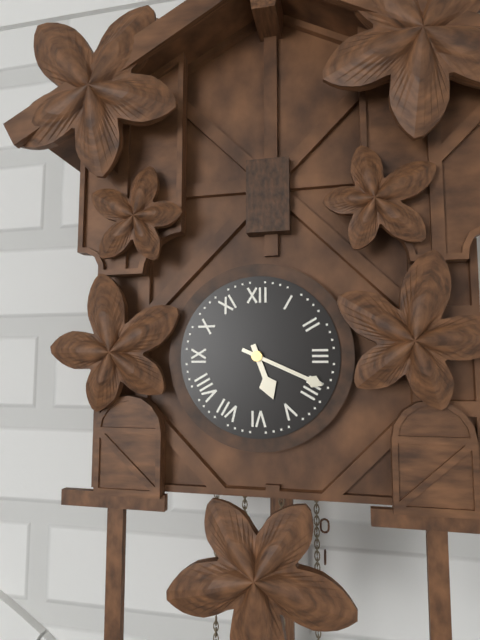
{"hour": 5, "minute": 19}
